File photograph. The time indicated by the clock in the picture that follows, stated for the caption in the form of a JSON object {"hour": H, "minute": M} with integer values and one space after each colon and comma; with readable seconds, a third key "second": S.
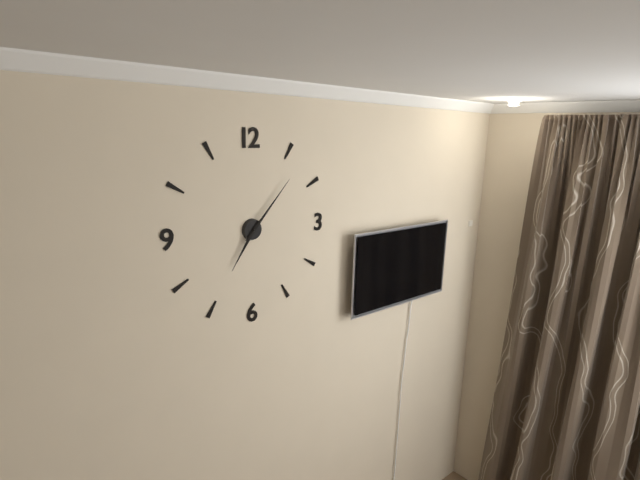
{"hour": 7, "minute": 7}
